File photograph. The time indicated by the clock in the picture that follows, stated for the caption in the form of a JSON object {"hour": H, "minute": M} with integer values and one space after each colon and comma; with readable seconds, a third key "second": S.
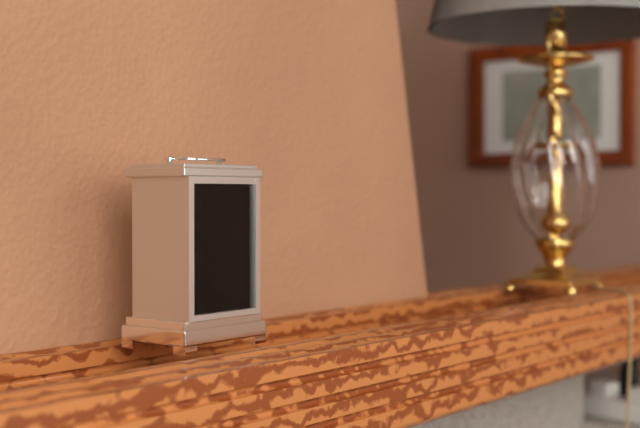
{"hour": 9, "minute": 31}
